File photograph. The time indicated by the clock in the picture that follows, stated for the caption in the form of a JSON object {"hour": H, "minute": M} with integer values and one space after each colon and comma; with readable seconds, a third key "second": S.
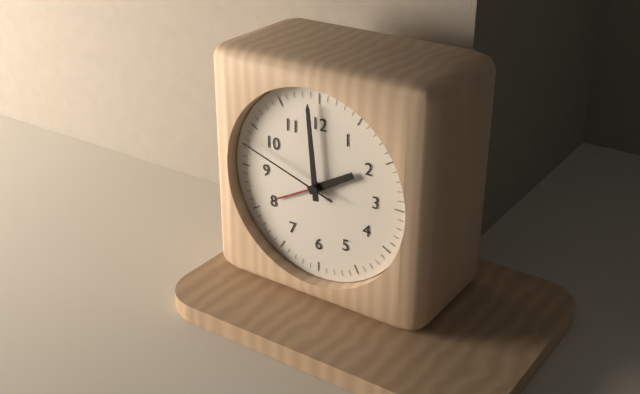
{"hour": 1, "minute": 59, "second": 48}
